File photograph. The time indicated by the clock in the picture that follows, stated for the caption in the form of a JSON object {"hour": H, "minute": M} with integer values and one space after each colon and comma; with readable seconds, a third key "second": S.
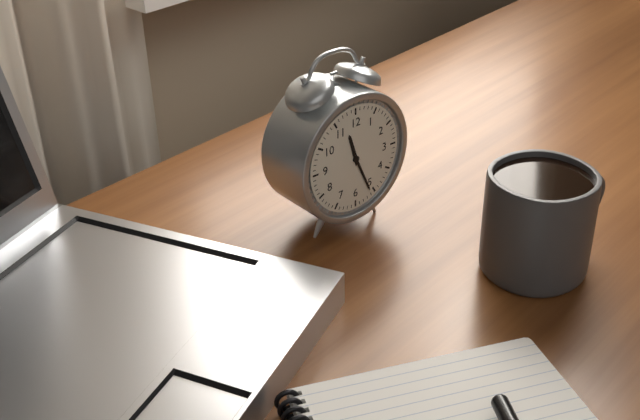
{"hour": 11, "minute": 26}
